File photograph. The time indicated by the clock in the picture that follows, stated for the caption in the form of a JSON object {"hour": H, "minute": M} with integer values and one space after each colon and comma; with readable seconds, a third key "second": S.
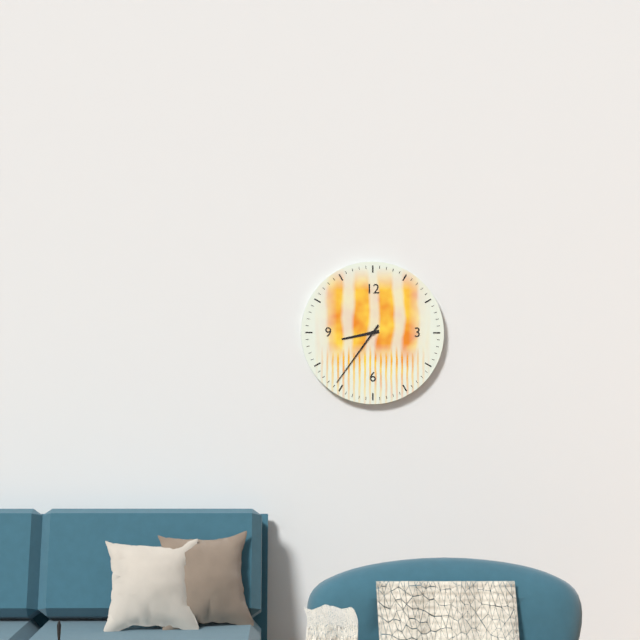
{"hour": 8, "minute": 36}
